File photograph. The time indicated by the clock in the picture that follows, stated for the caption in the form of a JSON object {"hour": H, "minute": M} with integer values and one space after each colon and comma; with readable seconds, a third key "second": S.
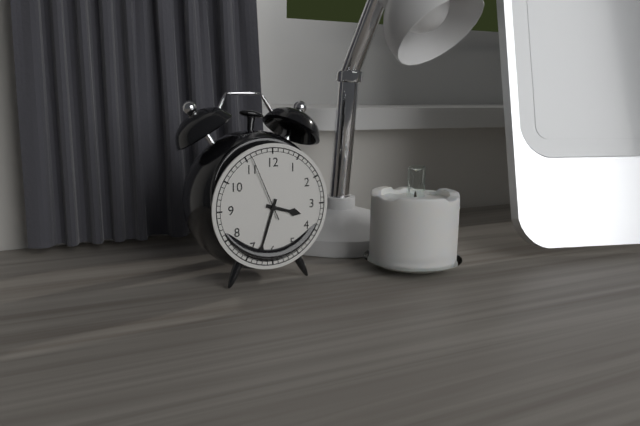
{"hour": 3, "minute": 33, "second": 56}
